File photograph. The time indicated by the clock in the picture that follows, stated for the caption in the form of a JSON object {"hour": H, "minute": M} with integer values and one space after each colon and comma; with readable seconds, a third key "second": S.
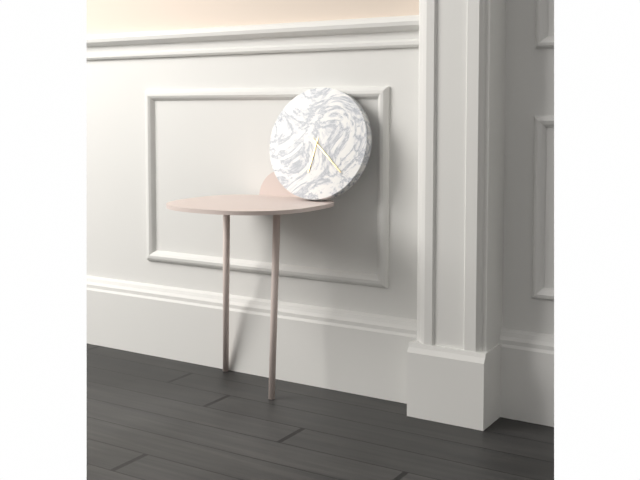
{"hour": 6, "minute": 22}
